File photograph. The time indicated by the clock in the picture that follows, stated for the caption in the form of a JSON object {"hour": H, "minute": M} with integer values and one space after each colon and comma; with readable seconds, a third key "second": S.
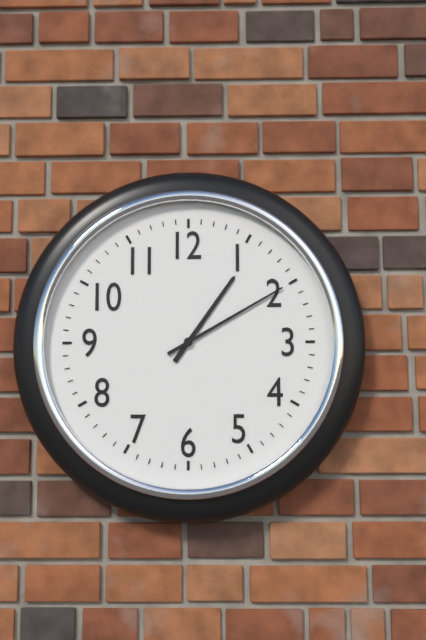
{"hour": 1, "minute": 10}
